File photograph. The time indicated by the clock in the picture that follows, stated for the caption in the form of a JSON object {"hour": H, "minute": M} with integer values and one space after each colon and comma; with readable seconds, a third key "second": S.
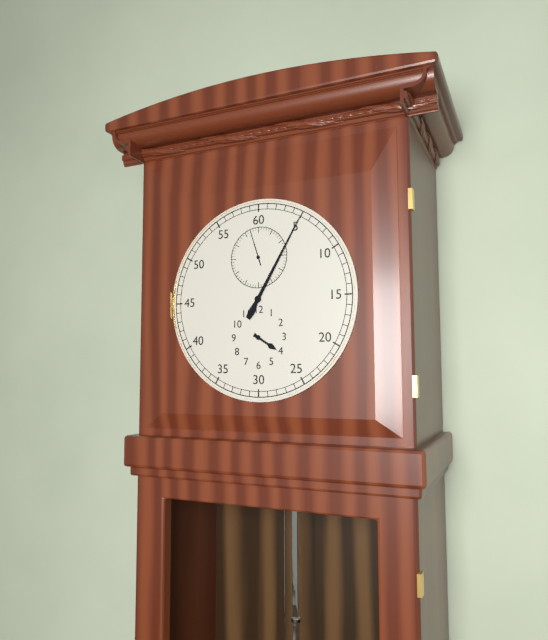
{"hour": 4, "minute": 5}
